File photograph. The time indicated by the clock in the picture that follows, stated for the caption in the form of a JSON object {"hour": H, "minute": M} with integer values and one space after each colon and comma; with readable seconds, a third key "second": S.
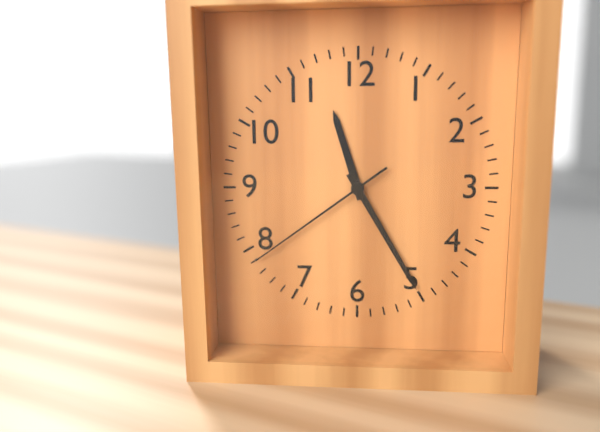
{"hour": 11, "minute": 25, "second": 39}
